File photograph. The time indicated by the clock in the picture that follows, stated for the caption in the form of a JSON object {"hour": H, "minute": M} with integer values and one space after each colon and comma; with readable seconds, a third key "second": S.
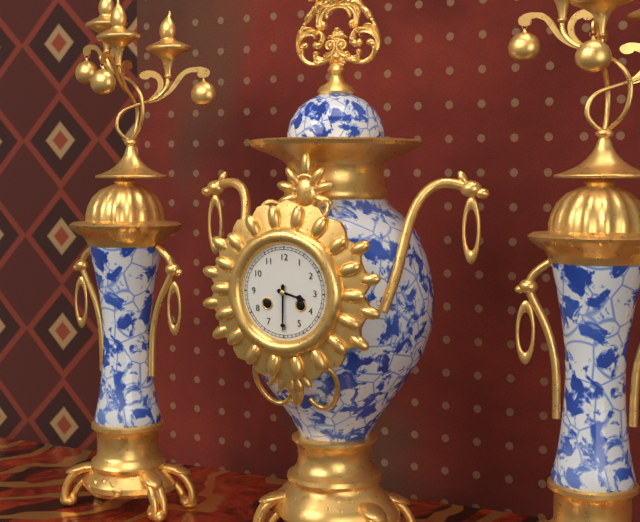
{"hour": 3, "minute": 30}
